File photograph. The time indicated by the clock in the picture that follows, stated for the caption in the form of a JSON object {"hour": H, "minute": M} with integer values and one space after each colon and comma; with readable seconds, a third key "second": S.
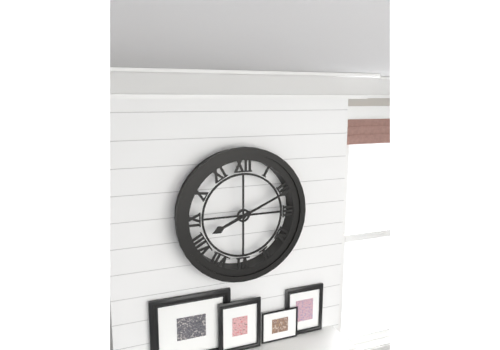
{"hour": 8, "minute": 11}
